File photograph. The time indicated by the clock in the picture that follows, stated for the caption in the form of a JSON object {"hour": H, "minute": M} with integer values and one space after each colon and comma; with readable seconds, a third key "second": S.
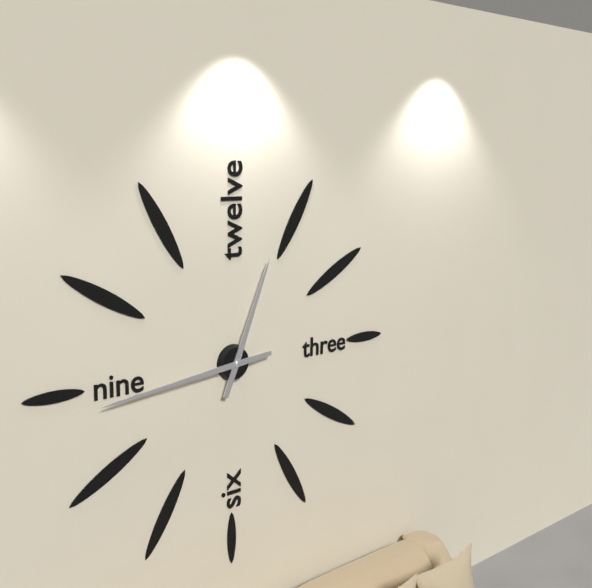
{"hour": 12, "minute": 44}
